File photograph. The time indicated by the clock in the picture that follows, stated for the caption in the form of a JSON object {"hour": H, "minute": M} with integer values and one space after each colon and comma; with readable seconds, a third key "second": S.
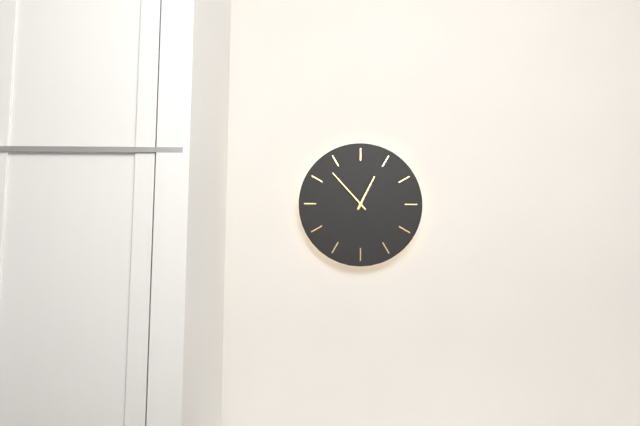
{"hour": 12, "minute": 53}
